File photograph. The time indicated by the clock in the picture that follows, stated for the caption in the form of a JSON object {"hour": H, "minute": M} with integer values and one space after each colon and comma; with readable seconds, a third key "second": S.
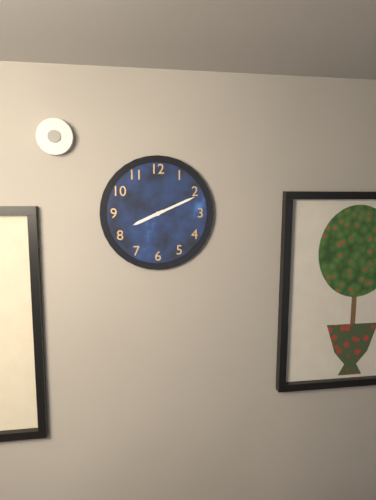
{"hour": 8, "minute": 11}
